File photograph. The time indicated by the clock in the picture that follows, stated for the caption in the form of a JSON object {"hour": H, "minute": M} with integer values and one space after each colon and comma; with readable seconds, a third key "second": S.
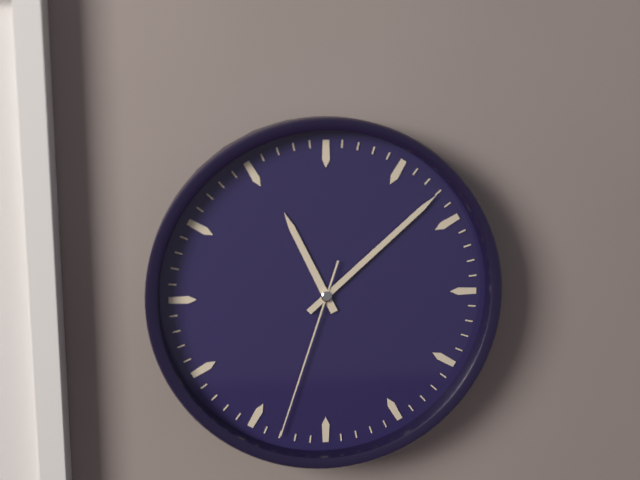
{"hour": 11, "minute": 8, "second": 33}
